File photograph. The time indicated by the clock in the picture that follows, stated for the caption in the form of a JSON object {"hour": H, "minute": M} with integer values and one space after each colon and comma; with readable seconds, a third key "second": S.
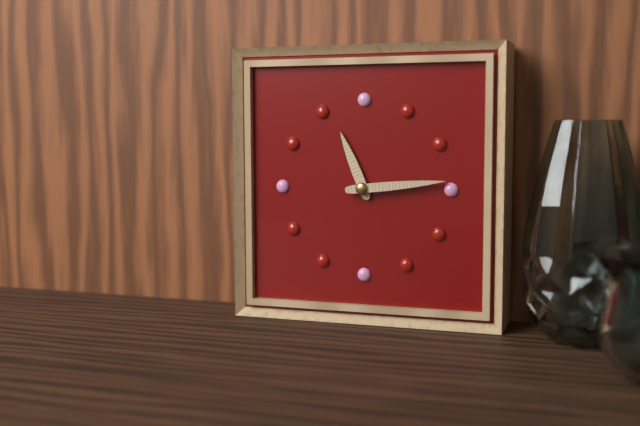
{"hour": 11, "minute": 14}
